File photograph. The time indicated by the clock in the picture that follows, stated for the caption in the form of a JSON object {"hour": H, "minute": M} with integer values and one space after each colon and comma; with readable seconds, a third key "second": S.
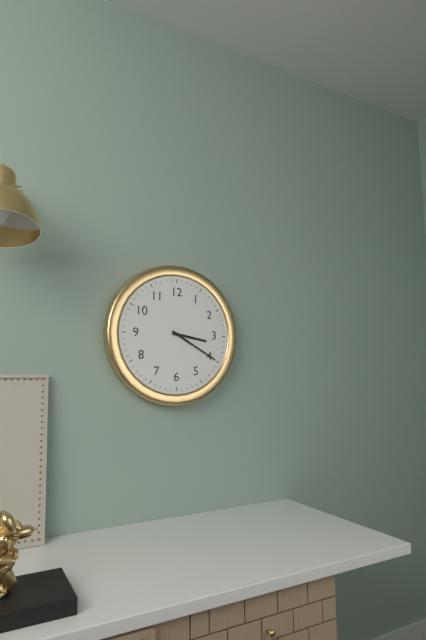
{"hour": 3, "minute": 20}
